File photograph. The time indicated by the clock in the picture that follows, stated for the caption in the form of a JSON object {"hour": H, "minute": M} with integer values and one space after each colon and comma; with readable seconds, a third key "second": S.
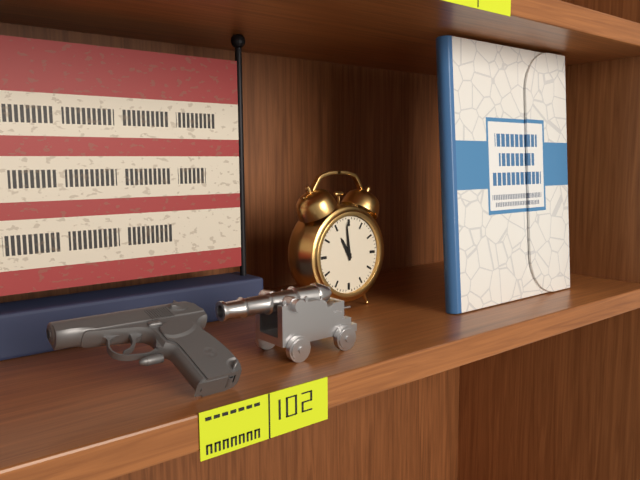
{"hour": 10, "minute": 59}
